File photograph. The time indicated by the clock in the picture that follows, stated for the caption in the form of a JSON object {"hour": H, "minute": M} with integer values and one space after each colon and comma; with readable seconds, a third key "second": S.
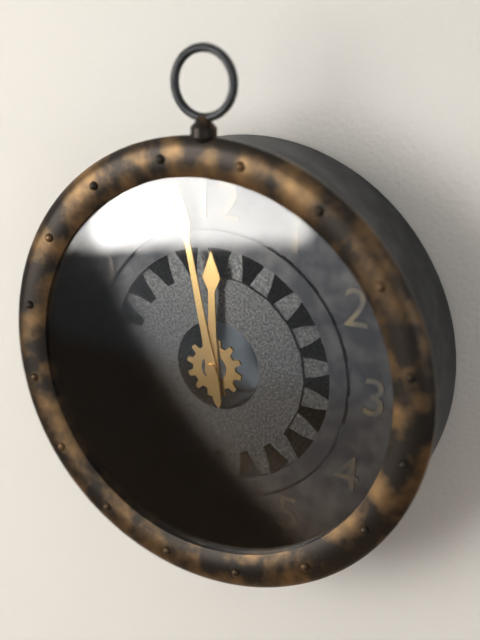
{"hour": 11, "minute": 58}
